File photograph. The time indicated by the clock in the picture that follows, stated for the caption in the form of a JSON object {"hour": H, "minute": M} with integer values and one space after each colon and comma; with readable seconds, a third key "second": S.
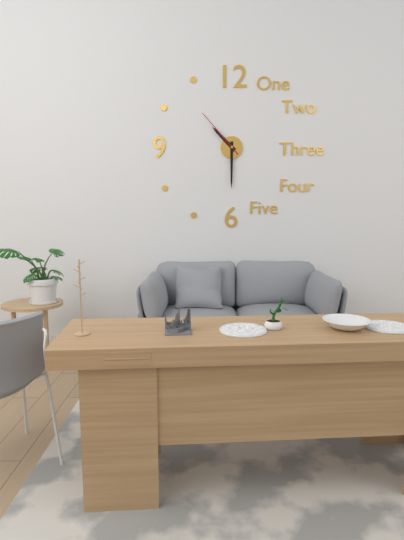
{"hour": 10, "minute": 30, "second": 53}
